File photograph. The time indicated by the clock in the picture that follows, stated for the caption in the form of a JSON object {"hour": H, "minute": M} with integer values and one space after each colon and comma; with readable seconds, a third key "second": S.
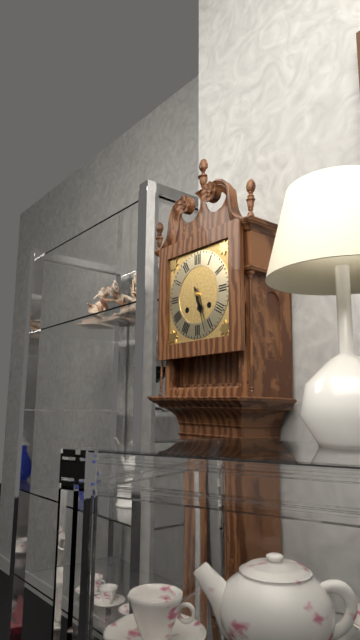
{"hour": 5, "minute": 27}
